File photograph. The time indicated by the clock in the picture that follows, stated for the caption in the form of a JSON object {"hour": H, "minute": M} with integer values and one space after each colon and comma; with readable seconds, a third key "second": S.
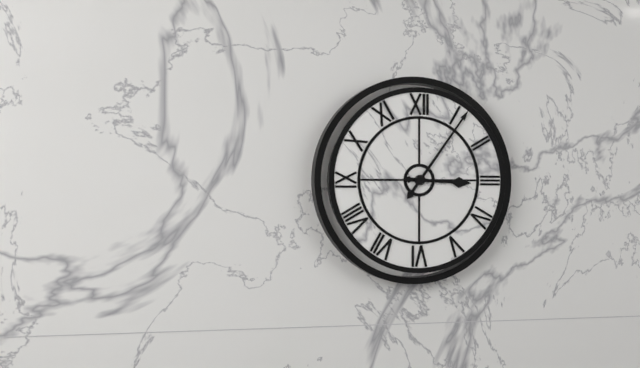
{"hour": 3, "minute": 6}
